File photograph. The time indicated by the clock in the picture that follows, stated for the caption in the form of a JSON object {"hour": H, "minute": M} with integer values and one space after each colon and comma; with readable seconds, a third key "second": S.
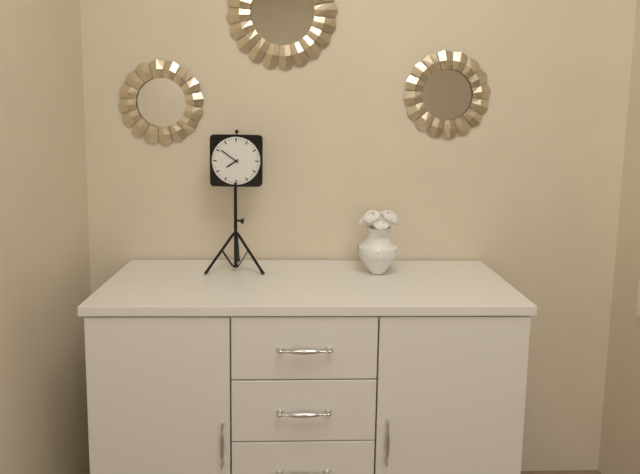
{"hour": 7, "minute": 51}
